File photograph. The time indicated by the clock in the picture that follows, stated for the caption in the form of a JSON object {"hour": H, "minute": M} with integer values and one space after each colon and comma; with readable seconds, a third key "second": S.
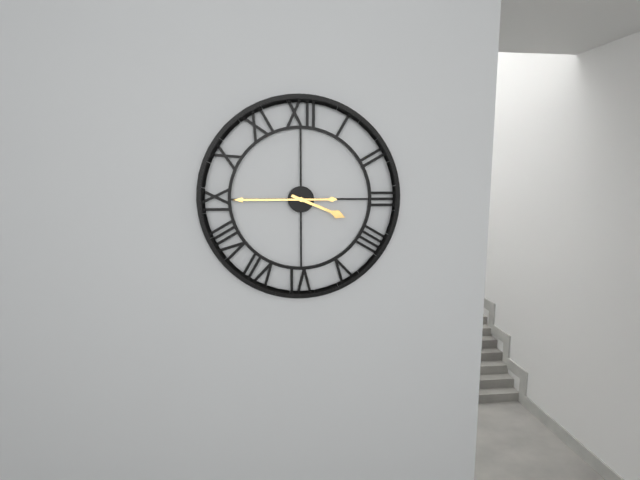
{"hour": 3, "minute": 45}
